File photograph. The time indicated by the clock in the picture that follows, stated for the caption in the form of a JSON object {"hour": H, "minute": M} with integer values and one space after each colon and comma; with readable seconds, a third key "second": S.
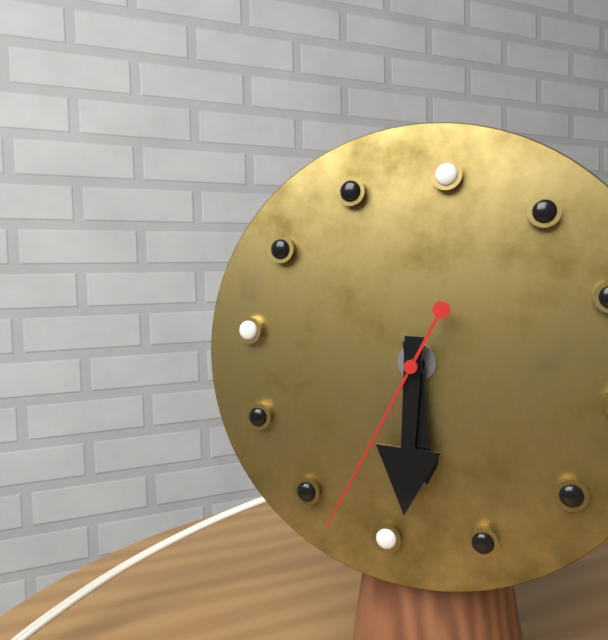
{"hour": 5, "minute": 29, "second": 33}
